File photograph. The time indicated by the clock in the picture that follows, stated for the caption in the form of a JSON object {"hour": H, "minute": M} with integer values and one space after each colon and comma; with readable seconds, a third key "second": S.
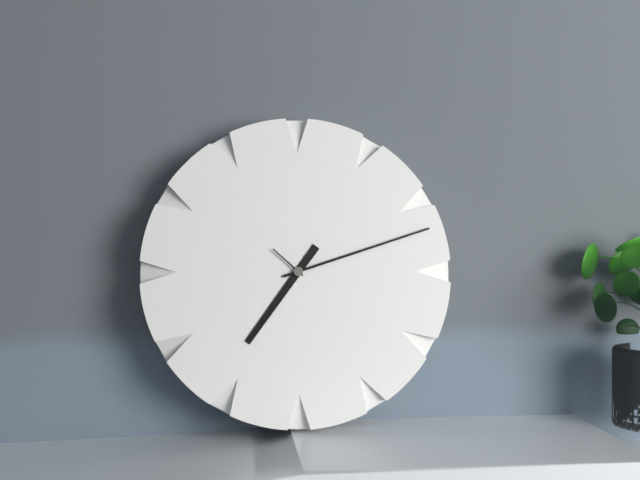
{"hour": 7, "minute": 12}
